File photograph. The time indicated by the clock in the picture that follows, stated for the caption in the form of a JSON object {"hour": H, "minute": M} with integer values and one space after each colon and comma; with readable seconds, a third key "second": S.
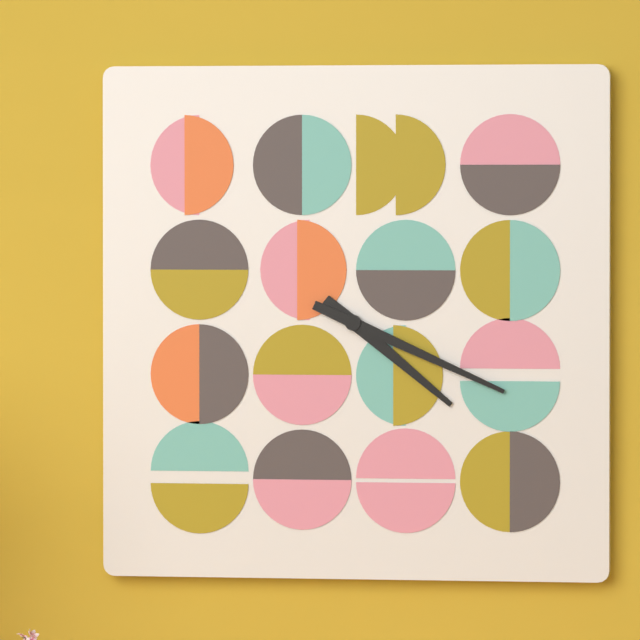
{"hour": 4, "minute": 19}
